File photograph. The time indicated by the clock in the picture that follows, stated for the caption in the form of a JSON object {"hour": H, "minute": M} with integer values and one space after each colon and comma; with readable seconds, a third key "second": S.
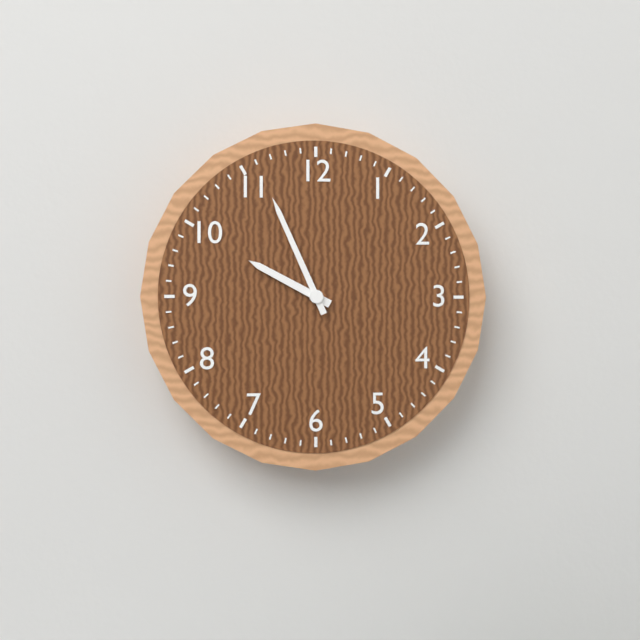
{"hour": 9, "minute": 56}
